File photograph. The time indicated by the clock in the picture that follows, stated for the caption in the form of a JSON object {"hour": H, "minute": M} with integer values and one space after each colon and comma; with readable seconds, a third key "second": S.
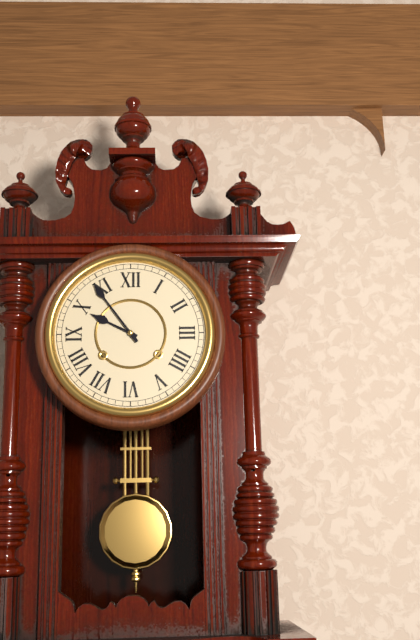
{"hour": 9, "minute": 54}
